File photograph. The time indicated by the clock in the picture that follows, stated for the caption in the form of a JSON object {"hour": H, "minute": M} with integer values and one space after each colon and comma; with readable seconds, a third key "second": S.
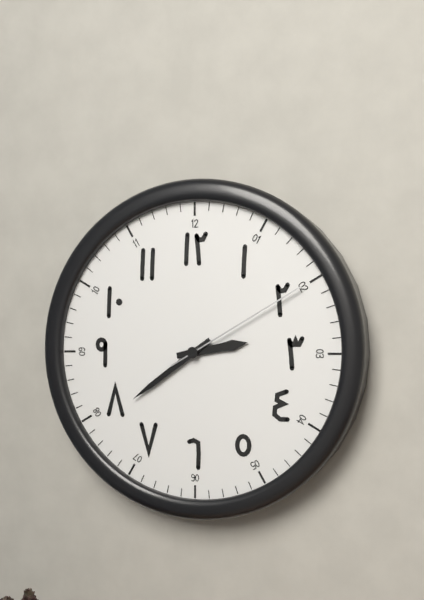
{"hour": 2, "minute": 39, "second": 10}
